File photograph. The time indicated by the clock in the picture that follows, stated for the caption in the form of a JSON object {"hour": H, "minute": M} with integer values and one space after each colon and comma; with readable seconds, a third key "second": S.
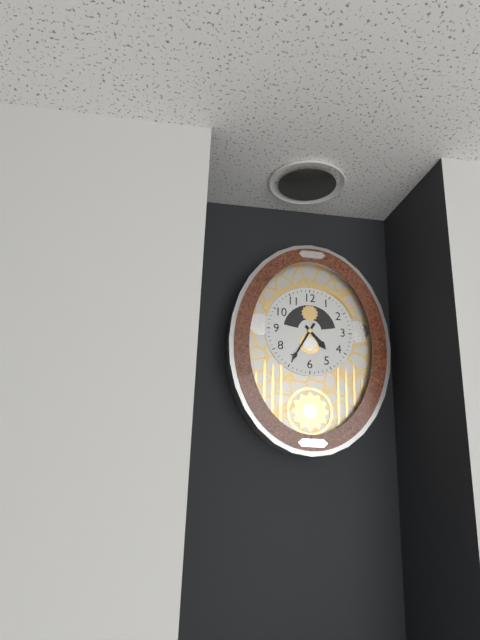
{"hour": 4, "minute": 35}
